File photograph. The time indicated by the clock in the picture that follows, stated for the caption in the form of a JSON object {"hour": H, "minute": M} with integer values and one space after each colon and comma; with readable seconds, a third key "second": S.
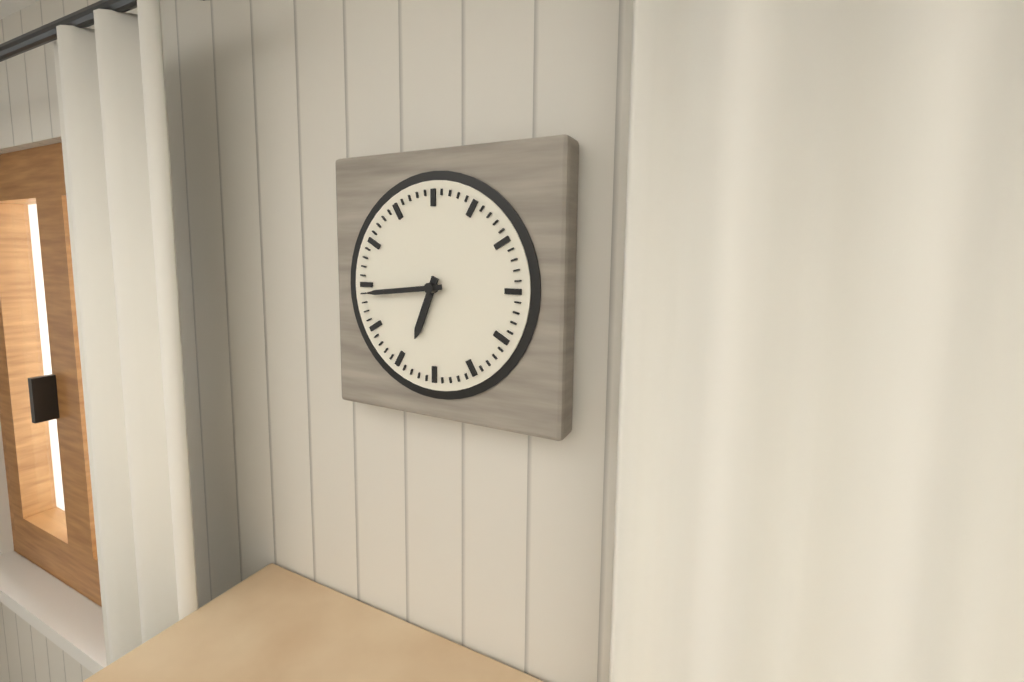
{"hour": 6, "minute": 44}
